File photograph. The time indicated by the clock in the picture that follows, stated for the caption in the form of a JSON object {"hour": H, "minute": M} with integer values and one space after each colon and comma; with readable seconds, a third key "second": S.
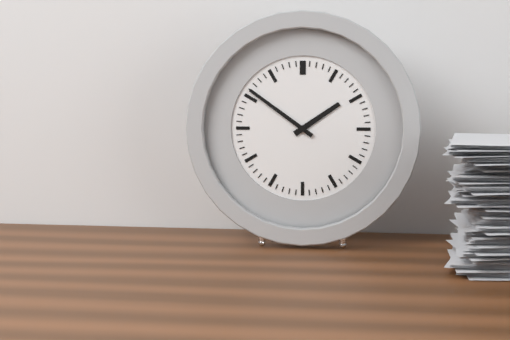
{"hour": 1, "minute": 51}
